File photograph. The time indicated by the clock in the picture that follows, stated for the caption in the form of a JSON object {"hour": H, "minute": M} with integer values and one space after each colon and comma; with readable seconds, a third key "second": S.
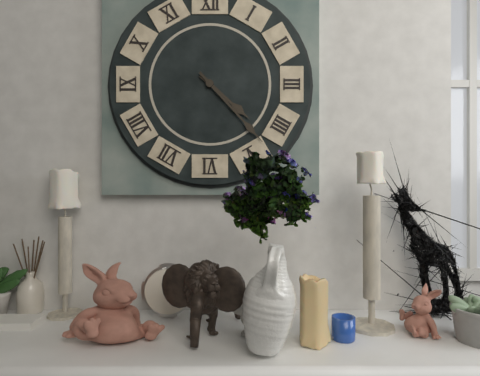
{"hour": 4, "minute": 23}
